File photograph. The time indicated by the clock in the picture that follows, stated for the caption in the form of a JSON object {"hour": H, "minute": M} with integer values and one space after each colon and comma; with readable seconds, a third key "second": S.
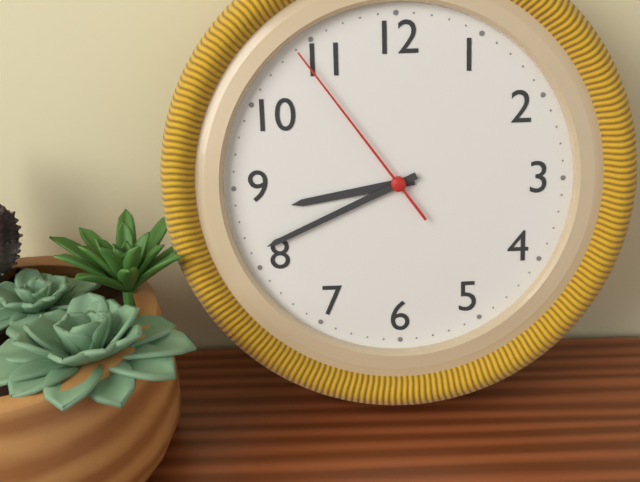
{"hour": 8, "minute": 41, "second": 54}
